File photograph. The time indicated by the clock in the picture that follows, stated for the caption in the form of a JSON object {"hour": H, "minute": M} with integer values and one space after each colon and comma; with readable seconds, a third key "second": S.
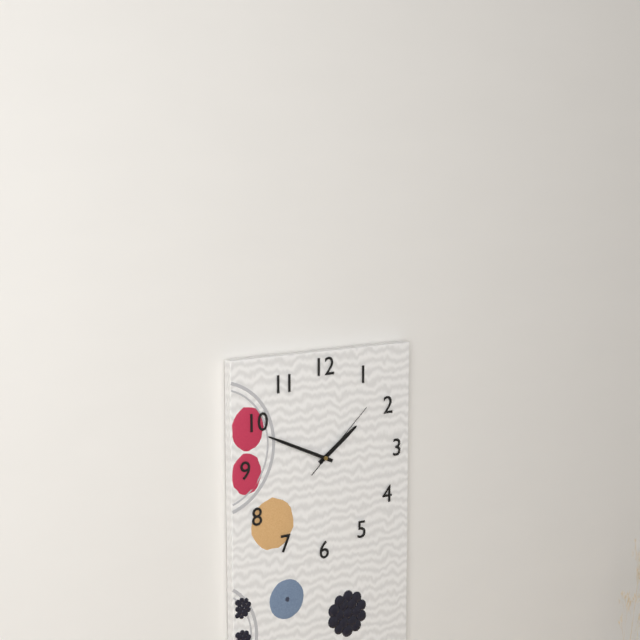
{"hour": 1, "minute": 49, "second": 8}
